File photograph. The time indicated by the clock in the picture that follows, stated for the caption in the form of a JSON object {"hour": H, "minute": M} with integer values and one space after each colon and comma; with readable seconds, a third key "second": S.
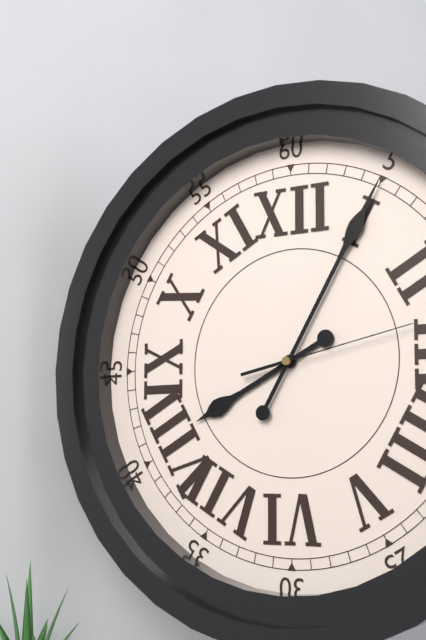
{"hour": 8, "minute": 5, "second": 13}
